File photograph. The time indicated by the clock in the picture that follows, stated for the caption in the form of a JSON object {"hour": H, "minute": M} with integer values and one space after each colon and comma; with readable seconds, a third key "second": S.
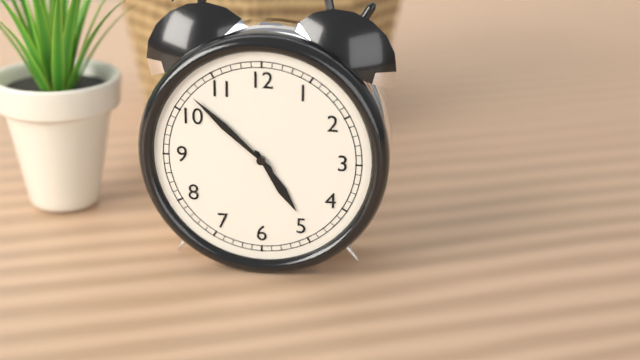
{"hour": 4, "minute": 52}
